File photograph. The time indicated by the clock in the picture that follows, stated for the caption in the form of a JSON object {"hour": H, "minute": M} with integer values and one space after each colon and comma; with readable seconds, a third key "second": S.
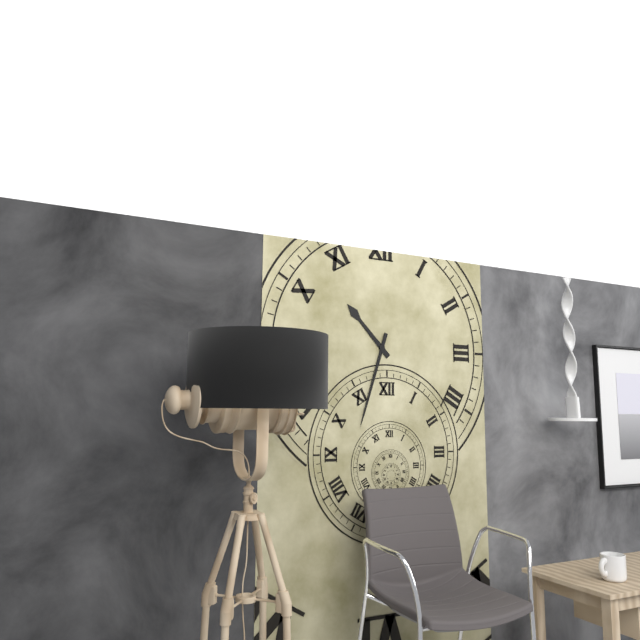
{"hour": 10, "minute": 33}
